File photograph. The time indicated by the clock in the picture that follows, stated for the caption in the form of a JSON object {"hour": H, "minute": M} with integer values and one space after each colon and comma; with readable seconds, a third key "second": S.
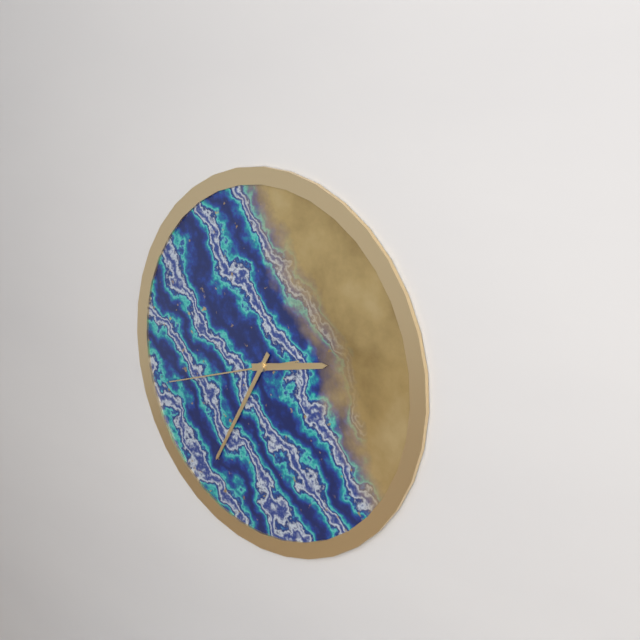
{"hour": 2, "minute": 35, "second": 42}
